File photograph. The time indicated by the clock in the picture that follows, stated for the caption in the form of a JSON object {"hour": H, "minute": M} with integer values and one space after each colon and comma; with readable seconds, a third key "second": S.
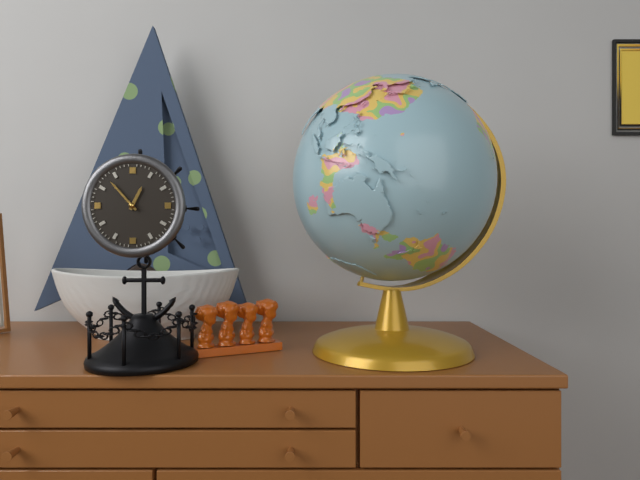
{"hour": 12, "minute": 53}
